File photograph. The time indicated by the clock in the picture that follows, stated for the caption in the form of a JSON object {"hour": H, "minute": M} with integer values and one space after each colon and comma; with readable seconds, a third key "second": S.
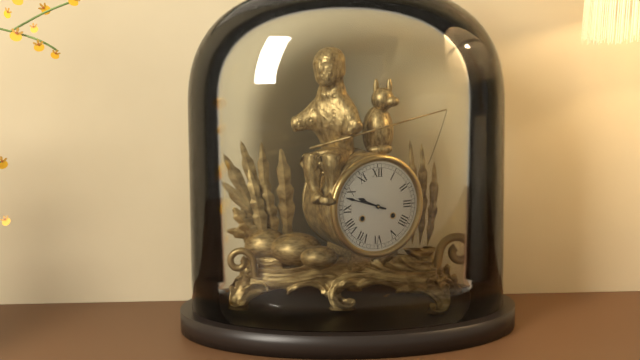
{"hour": 9, "minute": 48}
